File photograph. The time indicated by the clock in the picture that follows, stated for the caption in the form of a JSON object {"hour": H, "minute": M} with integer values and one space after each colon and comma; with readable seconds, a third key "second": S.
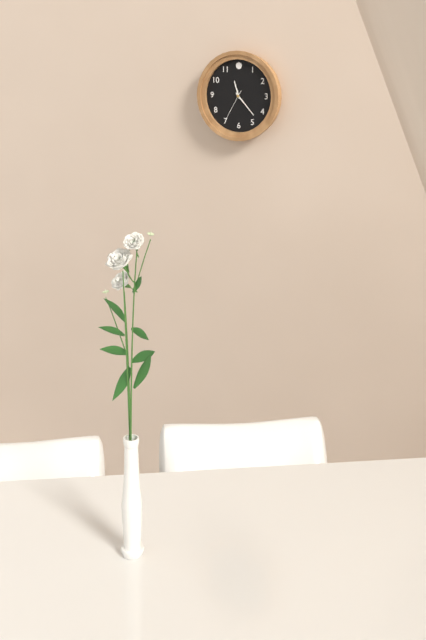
{"hour": 11, "minute": 23}
